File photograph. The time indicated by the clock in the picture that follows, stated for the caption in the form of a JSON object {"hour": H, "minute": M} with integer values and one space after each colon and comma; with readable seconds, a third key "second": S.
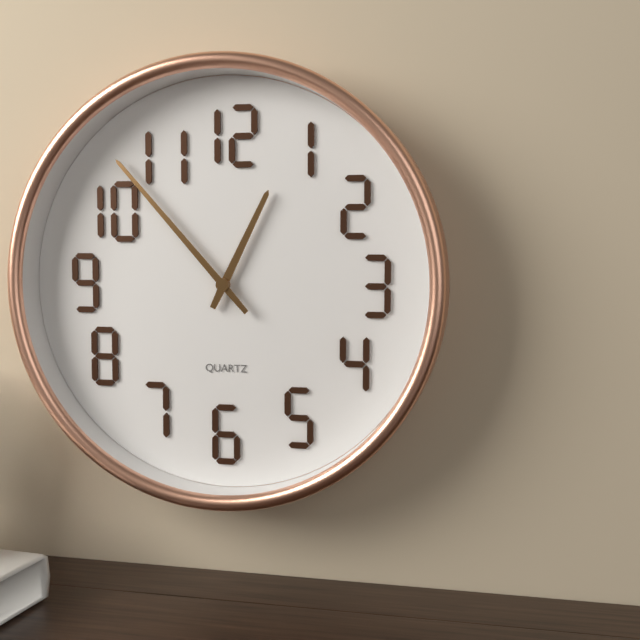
{"hour": 12, "minute": 53}
